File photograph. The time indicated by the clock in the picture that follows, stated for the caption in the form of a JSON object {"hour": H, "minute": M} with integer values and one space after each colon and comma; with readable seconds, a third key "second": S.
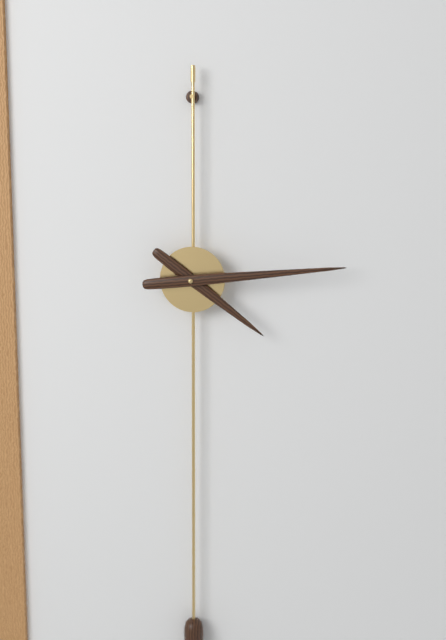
{"hour": 4, "minute": 14}
